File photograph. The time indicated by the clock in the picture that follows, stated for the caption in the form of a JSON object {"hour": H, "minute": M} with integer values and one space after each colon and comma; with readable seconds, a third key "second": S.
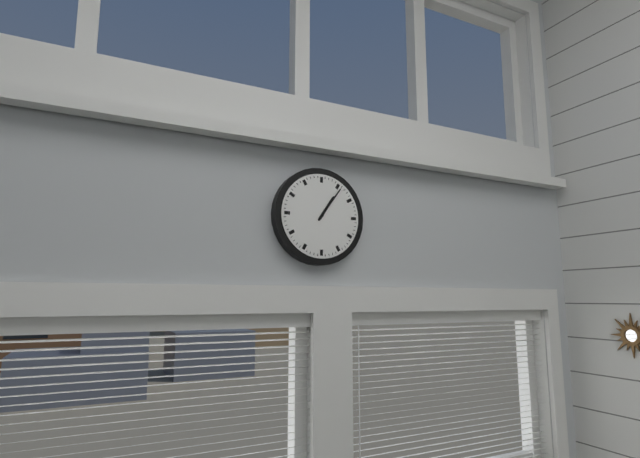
{"hour": 1, "minute": 6}
